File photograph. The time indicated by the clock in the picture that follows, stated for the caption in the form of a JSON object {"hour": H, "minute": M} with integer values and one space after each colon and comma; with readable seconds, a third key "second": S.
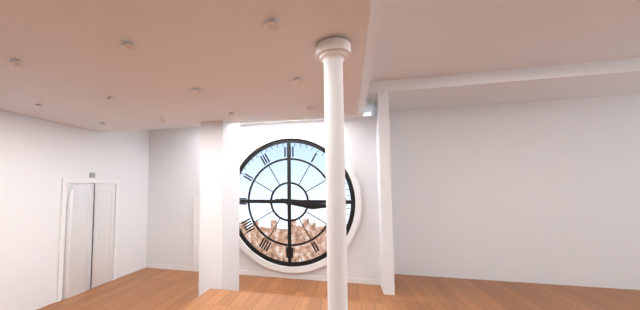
{"hour": 3, "minute": 16}
